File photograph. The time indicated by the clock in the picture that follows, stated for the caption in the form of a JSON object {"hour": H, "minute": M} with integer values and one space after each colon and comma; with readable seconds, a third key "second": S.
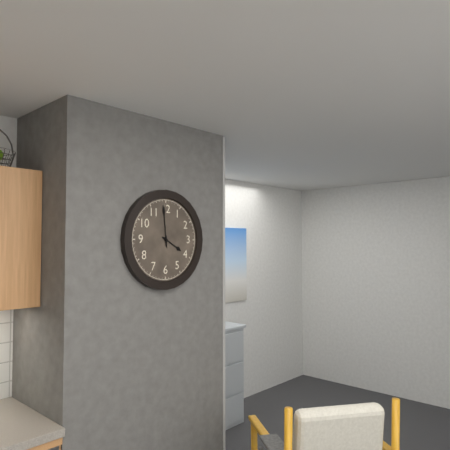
{"hour": 3, "minute": 59}
